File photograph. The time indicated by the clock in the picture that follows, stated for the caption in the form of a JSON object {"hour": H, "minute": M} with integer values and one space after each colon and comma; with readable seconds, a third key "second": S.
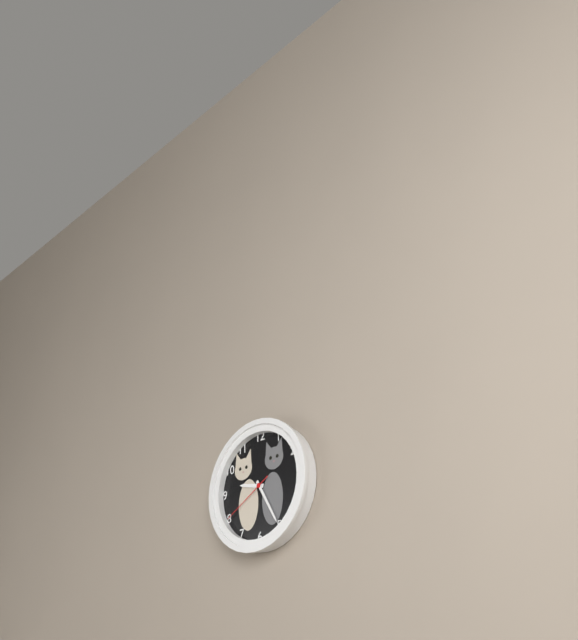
{"hour": 9, "minute": 25, "second": 40}
